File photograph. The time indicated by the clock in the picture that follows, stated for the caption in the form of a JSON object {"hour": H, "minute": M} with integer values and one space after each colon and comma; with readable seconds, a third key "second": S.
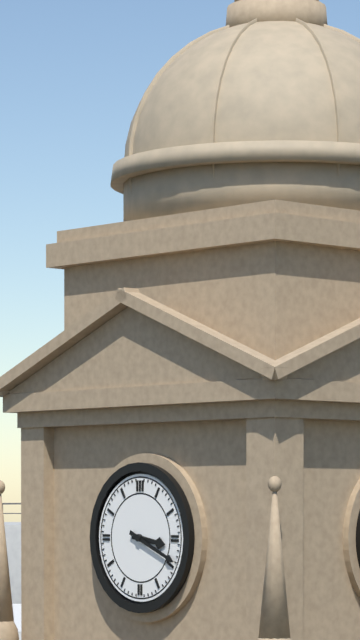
{"hour": 3, "minute": 19}
